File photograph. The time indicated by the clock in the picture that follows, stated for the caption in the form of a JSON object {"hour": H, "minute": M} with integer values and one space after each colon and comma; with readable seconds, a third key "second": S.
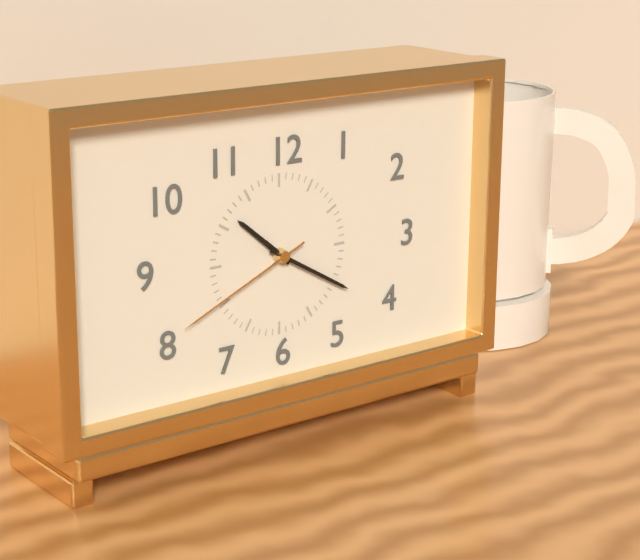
{"hour": 10, "minute": 20, "second": 41}
